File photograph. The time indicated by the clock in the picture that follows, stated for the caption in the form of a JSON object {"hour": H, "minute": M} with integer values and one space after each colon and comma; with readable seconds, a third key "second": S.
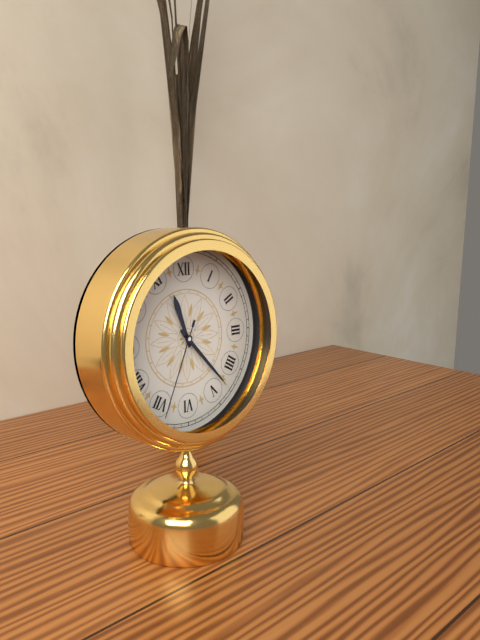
{"hour": 11, "minute": 23, "second": 34}
